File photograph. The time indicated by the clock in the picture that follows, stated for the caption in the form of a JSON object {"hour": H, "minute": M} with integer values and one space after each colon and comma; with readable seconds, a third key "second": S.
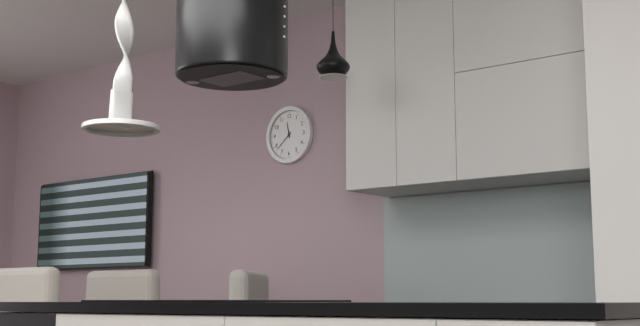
{"hour": 11, "minute": 38}
